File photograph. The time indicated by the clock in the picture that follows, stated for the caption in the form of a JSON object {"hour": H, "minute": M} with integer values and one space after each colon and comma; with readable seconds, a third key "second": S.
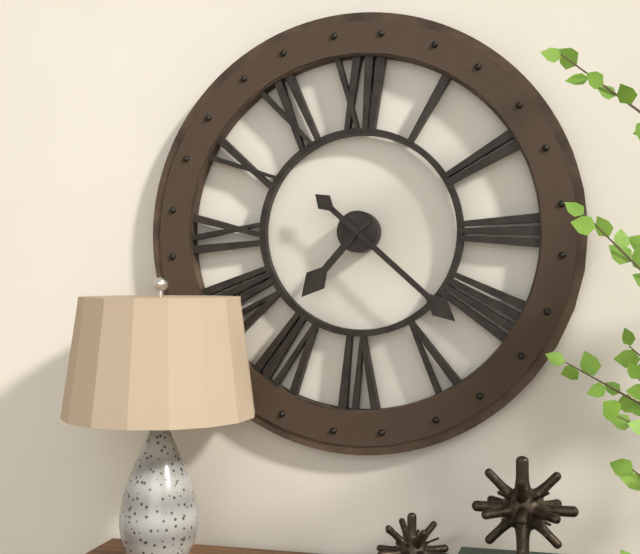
{"hour": 7, "minute": 22}
